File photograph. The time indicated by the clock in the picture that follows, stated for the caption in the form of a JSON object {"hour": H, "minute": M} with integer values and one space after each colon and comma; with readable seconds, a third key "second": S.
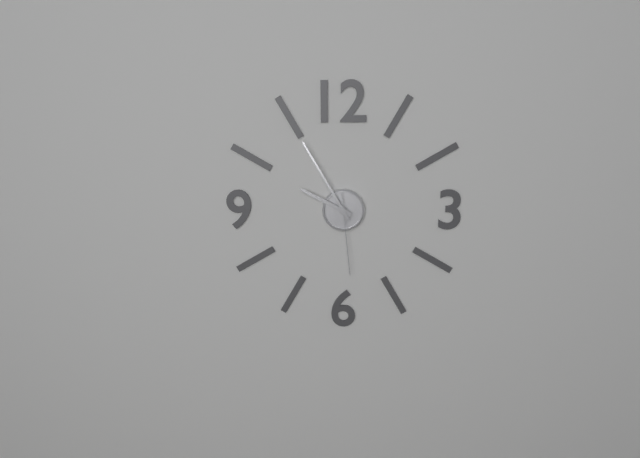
{"hour": 9, "minute": 55, "second": 29}
